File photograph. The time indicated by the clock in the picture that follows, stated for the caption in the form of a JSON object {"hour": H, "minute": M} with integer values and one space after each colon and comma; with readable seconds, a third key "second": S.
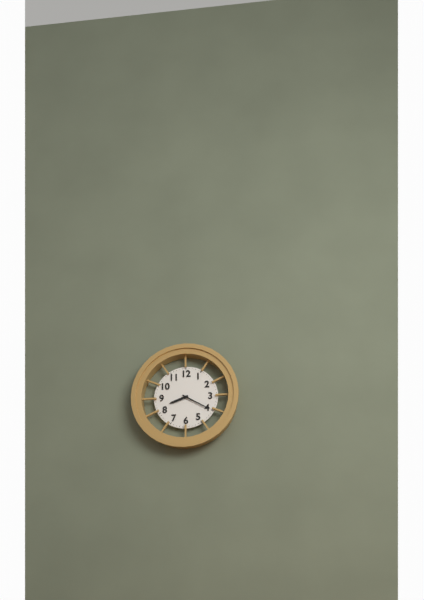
{"hour": 8, "minute": 20}
